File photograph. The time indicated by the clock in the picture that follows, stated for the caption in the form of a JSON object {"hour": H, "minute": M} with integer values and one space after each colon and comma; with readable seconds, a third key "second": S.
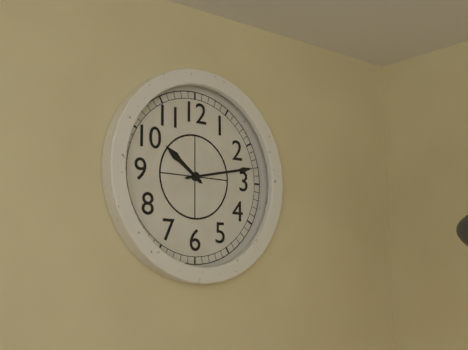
{"hour": 10, "minute": 13}
